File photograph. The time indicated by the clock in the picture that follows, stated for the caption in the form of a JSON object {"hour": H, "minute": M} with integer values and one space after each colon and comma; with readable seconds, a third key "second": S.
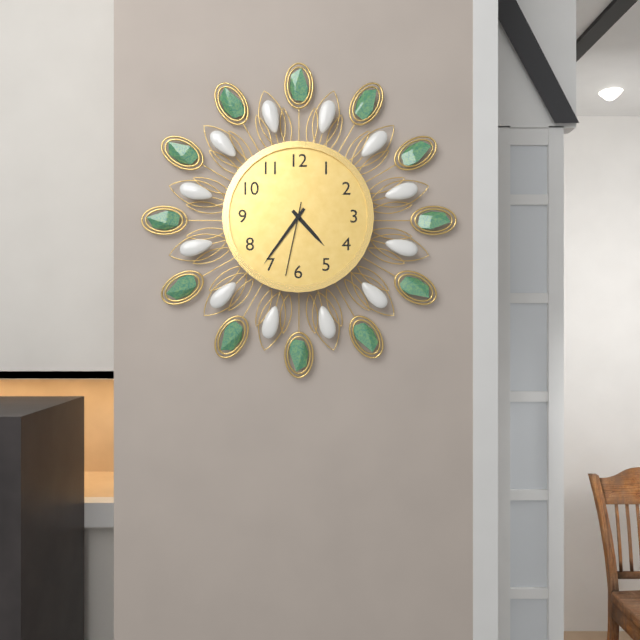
{"hour": 4, "minute": 36, "second": 32}
